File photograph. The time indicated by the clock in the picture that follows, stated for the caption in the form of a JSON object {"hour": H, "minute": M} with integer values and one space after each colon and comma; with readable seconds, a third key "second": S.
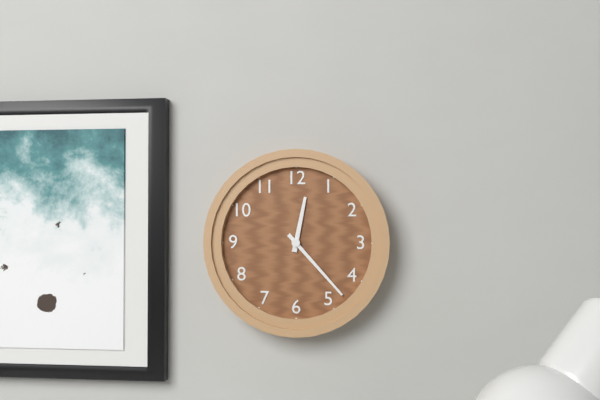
{"hour": 12, "minute": 23}
